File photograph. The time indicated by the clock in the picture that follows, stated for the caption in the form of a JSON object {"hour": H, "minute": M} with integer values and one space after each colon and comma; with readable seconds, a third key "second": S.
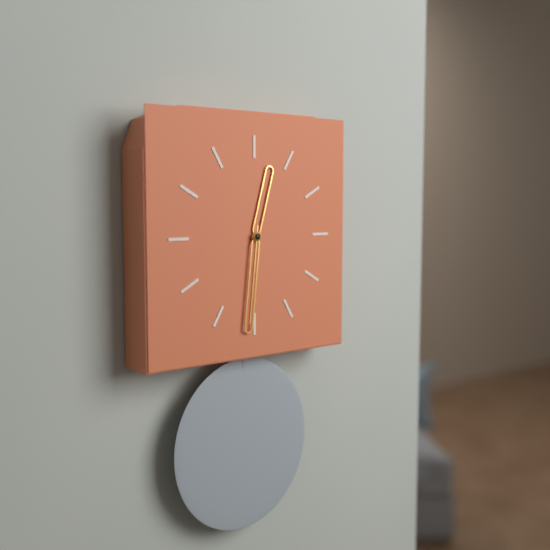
{"hour": 12, "minute": 31, "second": 31}
